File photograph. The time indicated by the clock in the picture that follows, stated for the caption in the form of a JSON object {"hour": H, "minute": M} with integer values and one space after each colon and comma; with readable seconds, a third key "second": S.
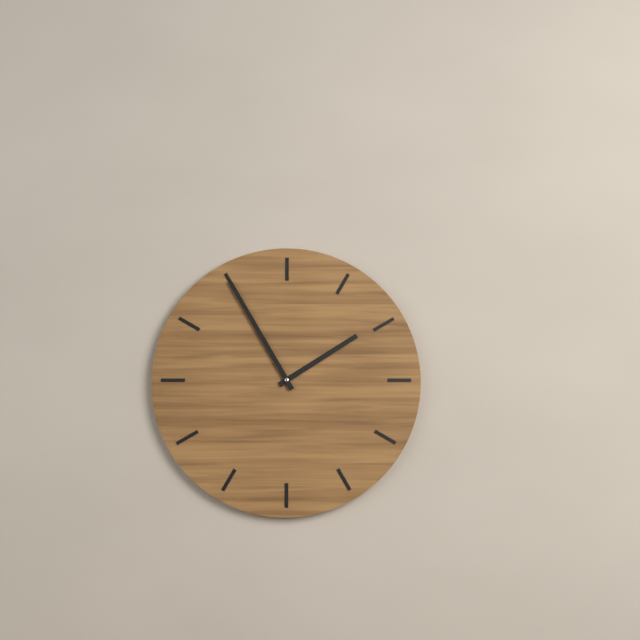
{"hour": 1, "minute": 55}
